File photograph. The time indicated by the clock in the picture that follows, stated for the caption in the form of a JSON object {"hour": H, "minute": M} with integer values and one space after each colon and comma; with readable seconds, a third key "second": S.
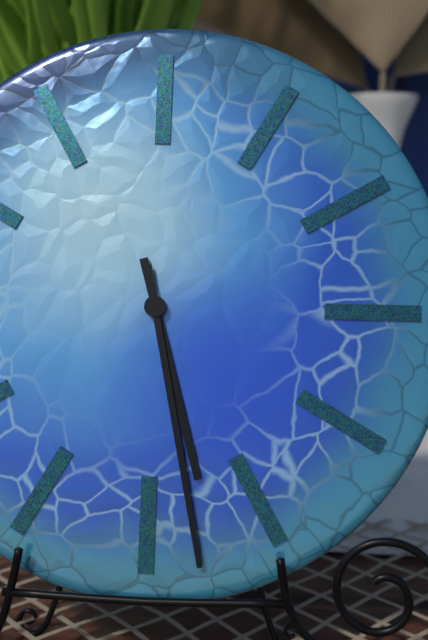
{"hour": 5, "minute": 28}
